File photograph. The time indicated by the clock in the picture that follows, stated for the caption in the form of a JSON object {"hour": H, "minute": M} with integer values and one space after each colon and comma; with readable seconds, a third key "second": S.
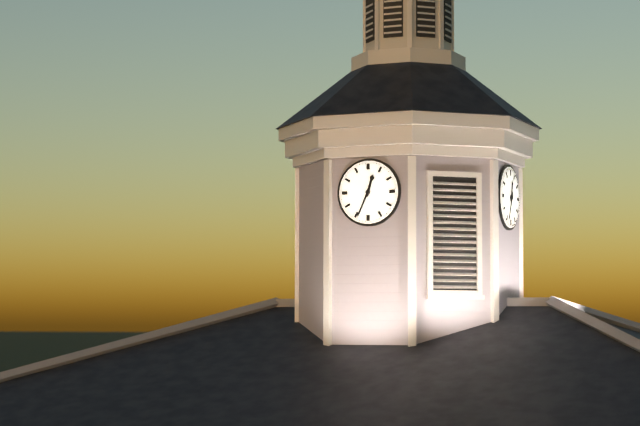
{"hour": 12, "minute": 34}
